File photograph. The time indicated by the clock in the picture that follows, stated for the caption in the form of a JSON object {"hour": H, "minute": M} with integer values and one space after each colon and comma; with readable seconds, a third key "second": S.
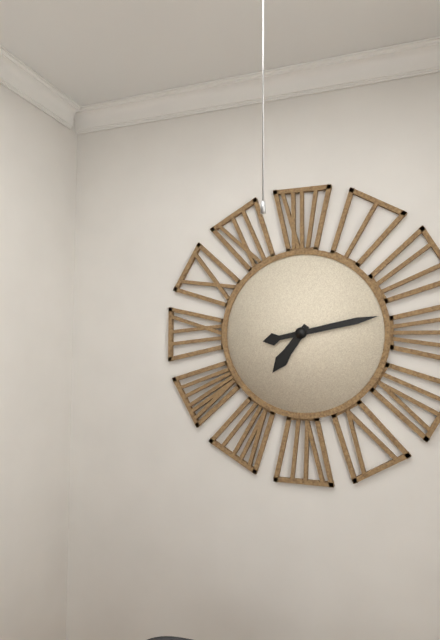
{"hour": 7, "minute": 13}
